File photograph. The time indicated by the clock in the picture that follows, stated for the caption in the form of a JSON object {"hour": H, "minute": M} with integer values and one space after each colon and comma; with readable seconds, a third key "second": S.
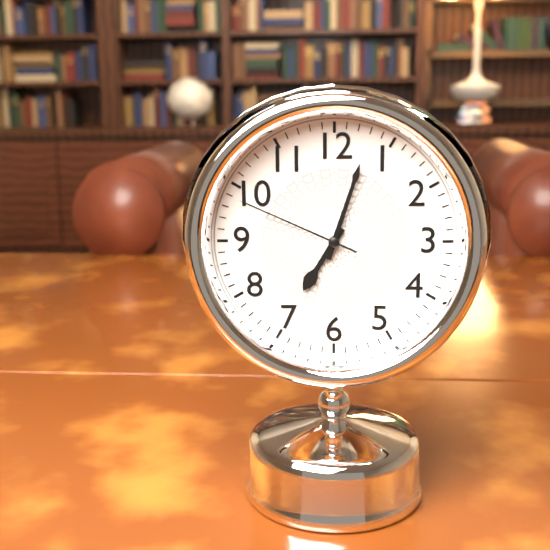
{"hour": 7, "minute": 3, "second": 49}
